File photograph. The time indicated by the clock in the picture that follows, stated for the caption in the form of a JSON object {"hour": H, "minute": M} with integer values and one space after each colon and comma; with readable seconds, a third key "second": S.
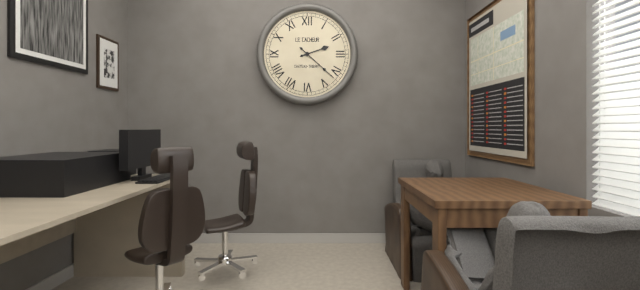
{"hour": 2, "minute": 22}
